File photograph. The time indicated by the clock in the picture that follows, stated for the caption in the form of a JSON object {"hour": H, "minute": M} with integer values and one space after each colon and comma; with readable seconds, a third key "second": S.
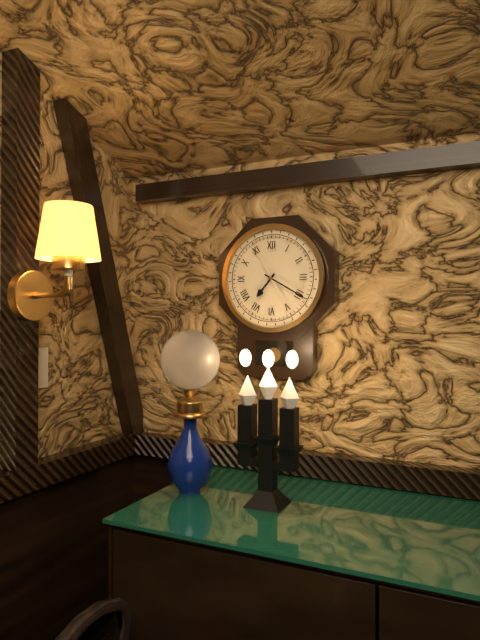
{"hour": 7, "minute": 20}
